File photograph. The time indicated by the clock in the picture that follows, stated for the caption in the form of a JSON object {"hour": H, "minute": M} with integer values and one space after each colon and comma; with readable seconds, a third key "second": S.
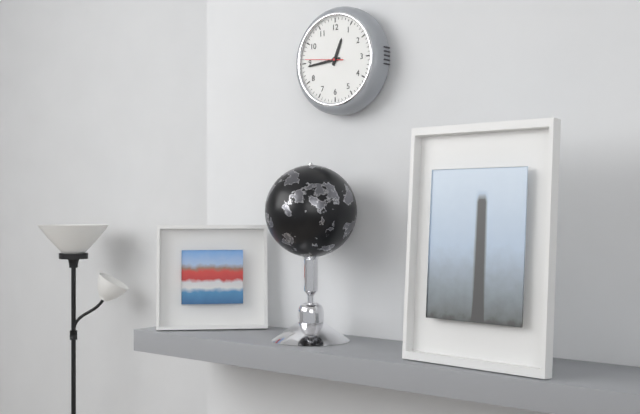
{"hour": 12, "minute": 44, "second": 46}
